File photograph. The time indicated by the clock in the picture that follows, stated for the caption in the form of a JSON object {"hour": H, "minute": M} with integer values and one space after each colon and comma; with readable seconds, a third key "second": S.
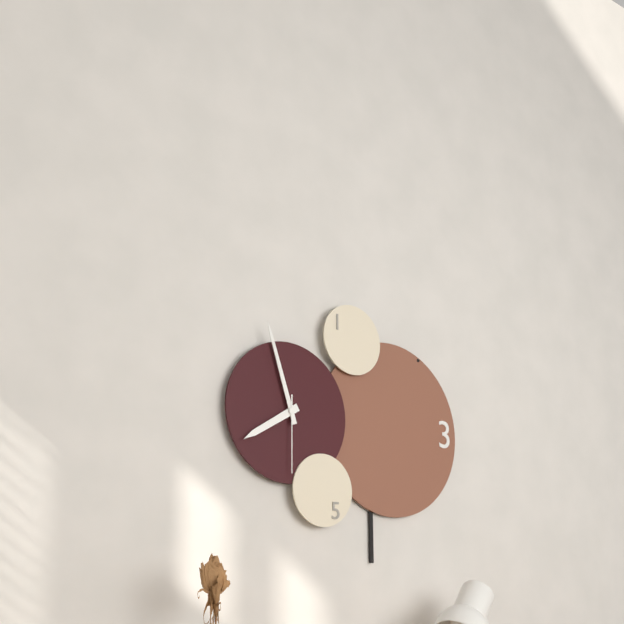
{"hour": 7, "minute": 57, "second": 30}
